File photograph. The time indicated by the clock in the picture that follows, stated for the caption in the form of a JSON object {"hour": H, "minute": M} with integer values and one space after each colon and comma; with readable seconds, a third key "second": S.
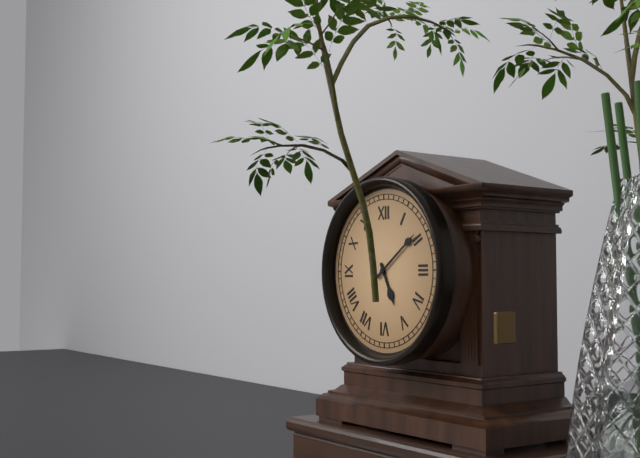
{"hour": 5, "minute": 9}
